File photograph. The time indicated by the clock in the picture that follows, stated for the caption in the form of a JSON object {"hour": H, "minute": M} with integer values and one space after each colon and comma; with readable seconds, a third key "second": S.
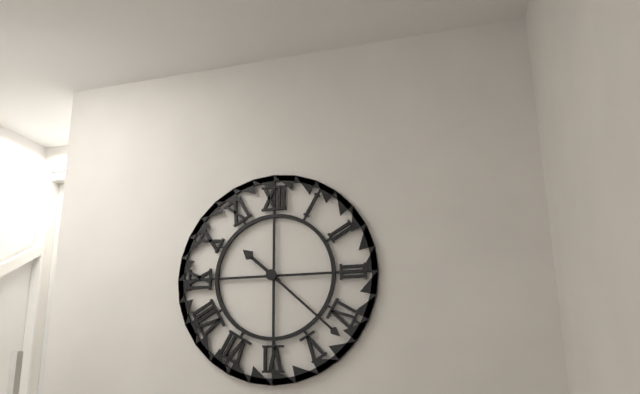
{"hour": 10, "minute": 22}
